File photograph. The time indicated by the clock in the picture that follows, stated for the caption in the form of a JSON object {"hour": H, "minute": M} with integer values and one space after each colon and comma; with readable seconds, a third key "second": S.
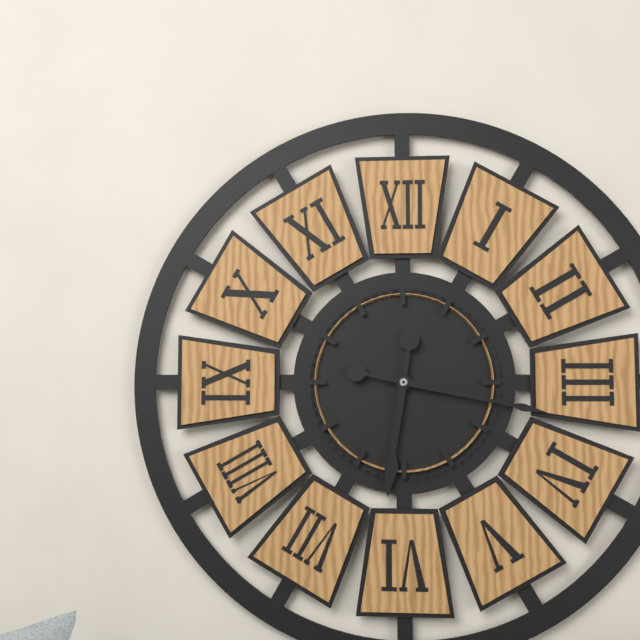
{"hour": 6, "minute": 17}
